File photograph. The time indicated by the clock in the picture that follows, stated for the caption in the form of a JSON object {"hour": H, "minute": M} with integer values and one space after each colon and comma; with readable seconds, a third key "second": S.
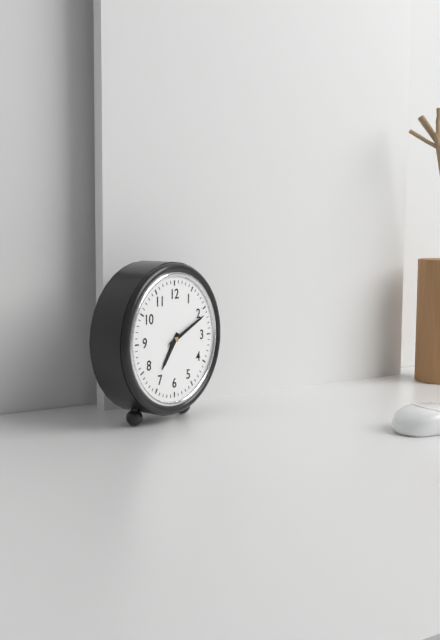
{"hour": 7, "minute": 11}
